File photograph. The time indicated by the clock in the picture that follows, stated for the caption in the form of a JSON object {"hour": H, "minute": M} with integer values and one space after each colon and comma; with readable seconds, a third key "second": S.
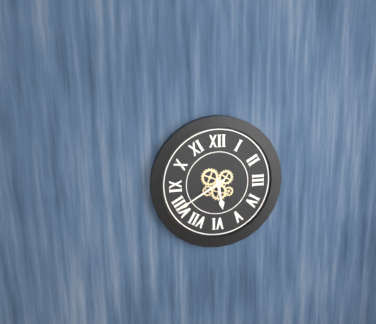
{"hour": 5, "minute": 40}
